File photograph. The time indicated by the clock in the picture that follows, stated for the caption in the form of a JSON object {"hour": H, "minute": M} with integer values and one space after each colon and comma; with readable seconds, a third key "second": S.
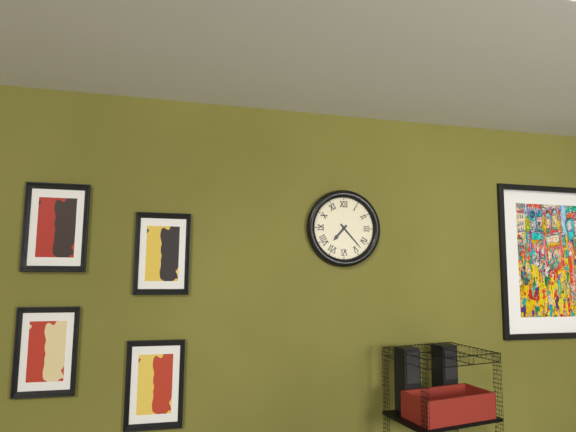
{"hour": 7, "minute": 23}
